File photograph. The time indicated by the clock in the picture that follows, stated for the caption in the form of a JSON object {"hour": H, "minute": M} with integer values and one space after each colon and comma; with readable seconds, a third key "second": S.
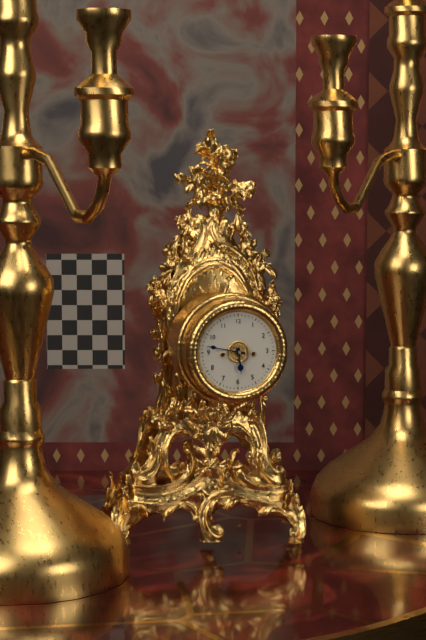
{"hour": 5, "minute": 47}
